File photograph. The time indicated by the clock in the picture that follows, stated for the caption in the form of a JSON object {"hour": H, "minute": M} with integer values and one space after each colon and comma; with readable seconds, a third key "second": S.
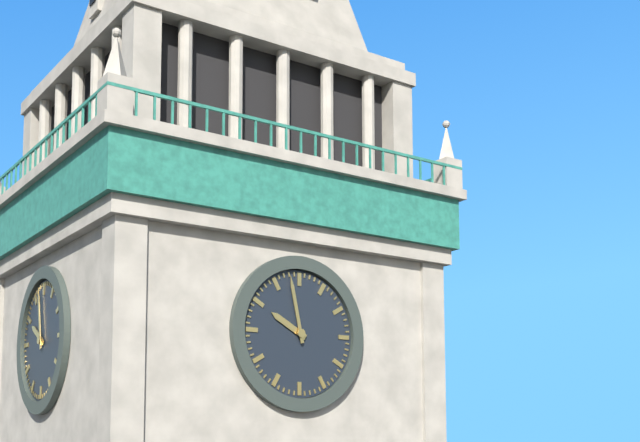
{"hour": 9, "minute": 58}
